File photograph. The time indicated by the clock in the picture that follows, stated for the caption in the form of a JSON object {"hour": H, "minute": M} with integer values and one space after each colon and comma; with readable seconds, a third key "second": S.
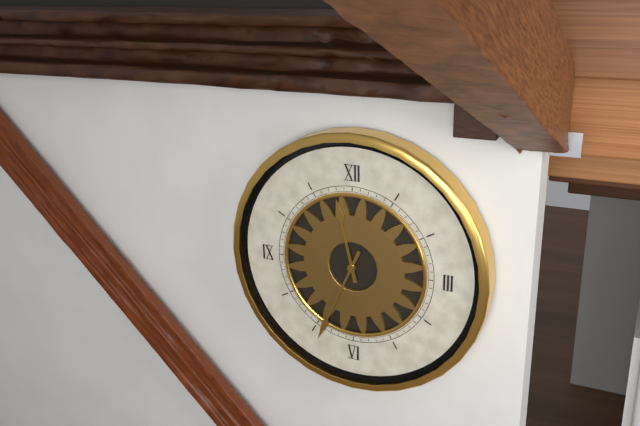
{"hour": 11, "minute": 34}
